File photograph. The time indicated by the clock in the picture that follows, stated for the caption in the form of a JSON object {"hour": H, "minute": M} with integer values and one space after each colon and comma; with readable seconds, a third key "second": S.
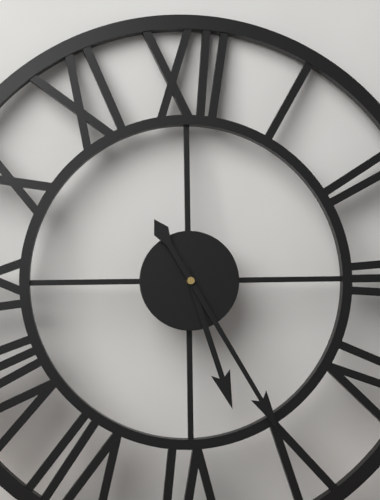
{"hour": 5, "minute": 25}
